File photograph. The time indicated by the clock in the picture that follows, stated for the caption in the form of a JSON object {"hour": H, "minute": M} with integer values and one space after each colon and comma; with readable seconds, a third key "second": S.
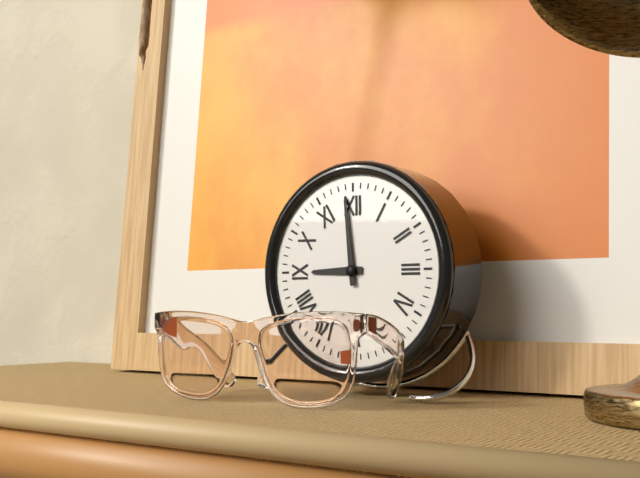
{"hour": 8, "minute": 59}
